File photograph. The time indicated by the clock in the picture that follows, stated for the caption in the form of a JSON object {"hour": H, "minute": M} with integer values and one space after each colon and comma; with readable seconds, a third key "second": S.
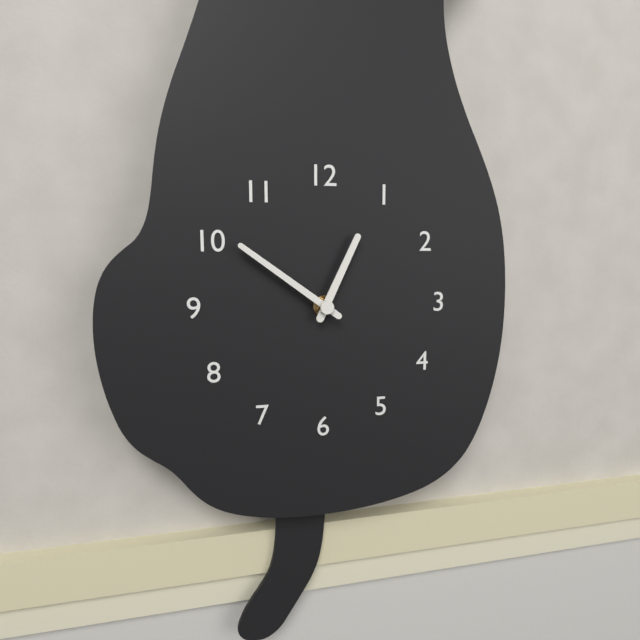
{"hour": 12, "minute": 51}
